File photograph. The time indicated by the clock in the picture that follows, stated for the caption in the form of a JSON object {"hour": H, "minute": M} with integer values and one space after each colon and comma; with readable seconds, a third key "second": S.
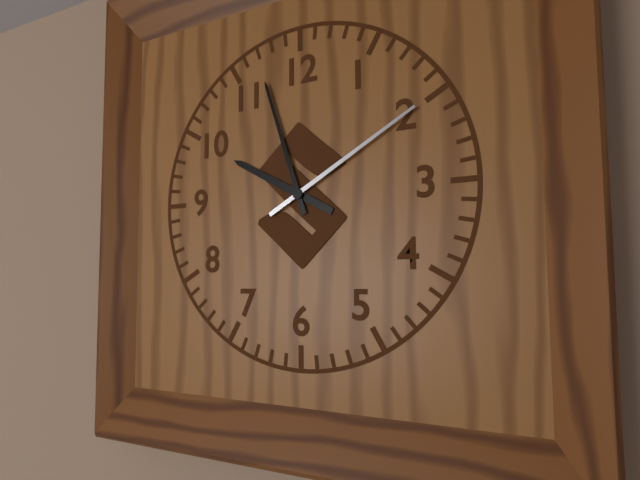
{"hour": 9, "minute": 57, "second": 10}
